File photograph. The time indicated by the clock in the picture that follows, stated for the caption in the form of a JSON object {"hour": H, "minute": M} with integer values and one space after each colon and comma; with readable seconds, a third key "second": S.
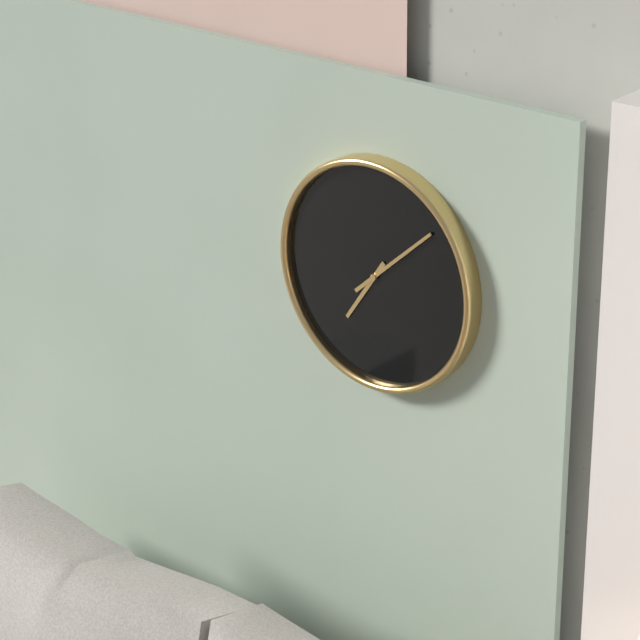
{"hour": 7, "minute": 8}
